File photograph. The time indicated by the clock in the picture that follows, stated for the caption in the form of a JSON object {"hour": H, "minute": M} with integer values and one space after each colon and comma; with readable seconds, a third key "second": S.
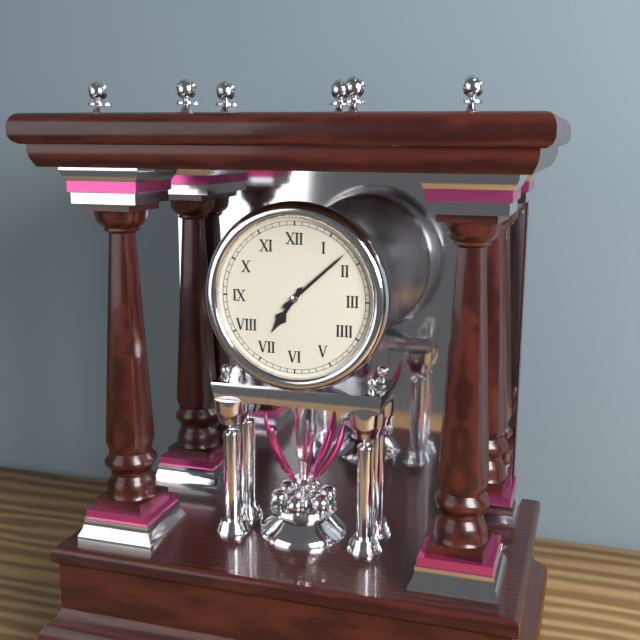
{"hour": 7, "minute": 8}
